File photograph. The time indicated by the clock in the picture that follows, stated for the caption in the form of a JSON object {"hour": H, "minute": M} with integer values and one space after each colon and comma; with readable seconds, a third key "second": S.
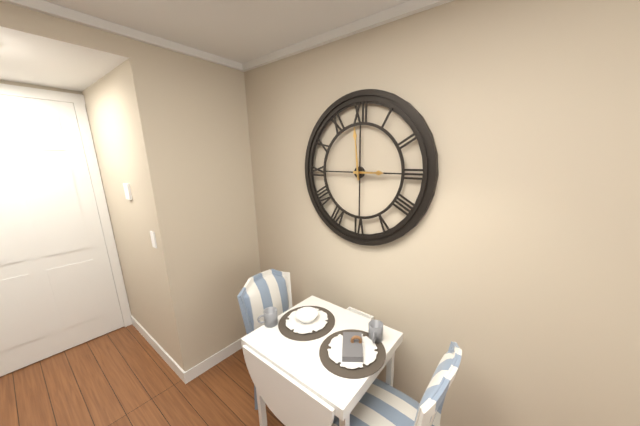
{"hour": 2, "minute": 59}
